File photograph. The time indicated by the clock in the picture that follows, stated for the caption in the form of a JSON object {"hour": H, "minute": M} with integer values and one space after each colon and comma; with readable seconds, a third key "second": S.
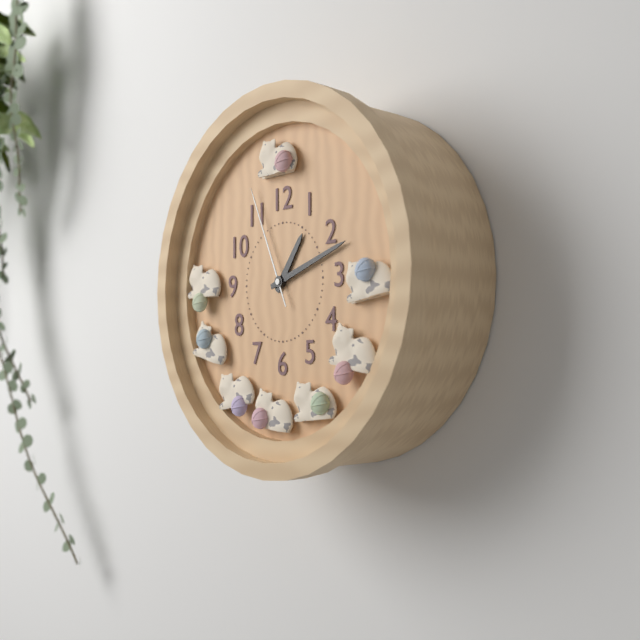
{"hour": 1, "minute": 12, "second": 56}
